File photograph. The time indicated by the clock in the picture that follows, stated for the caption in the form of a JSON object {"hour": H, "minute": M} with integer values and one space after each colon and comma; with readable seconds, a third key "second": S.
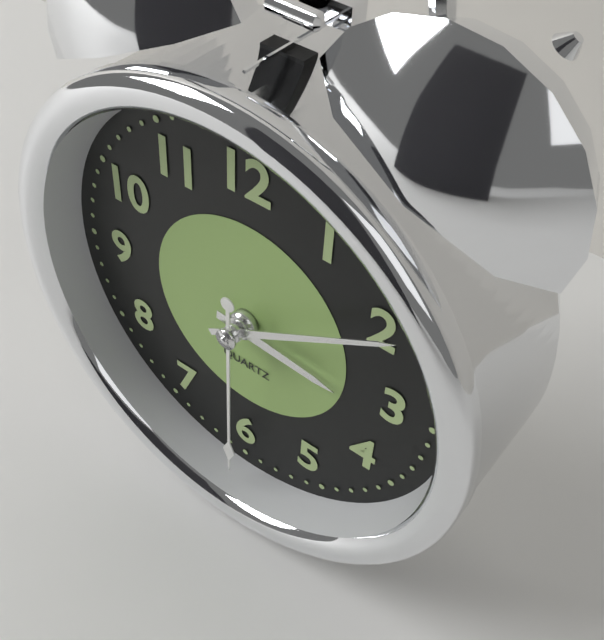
{"hour": 3, "minute": 10, "second": 30}
